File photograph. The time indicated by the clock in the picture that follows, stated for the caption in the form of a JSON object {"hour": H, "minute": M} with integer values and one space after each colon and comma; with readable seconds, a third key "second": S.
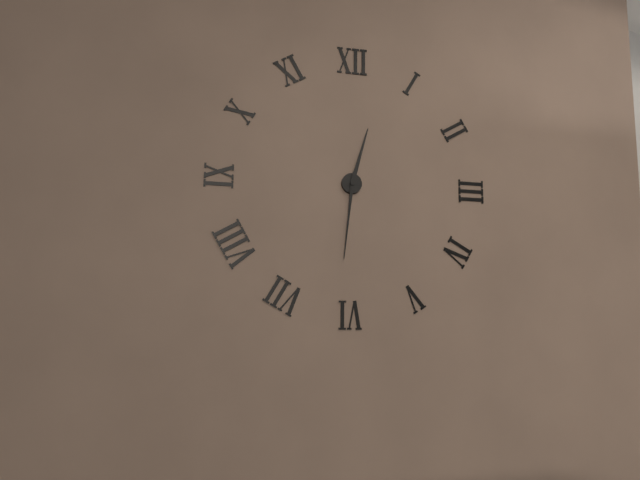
{"hour": 12, "minute": 31}
